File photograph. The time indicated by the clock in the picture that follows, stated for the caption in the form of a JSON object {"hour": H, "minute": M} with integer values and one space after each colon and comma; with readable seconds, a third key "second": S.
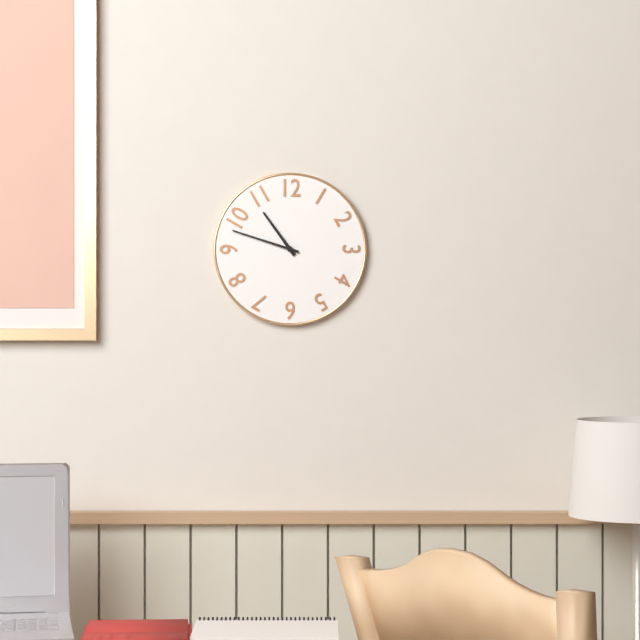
{"hour": 10, "minute": 48}
